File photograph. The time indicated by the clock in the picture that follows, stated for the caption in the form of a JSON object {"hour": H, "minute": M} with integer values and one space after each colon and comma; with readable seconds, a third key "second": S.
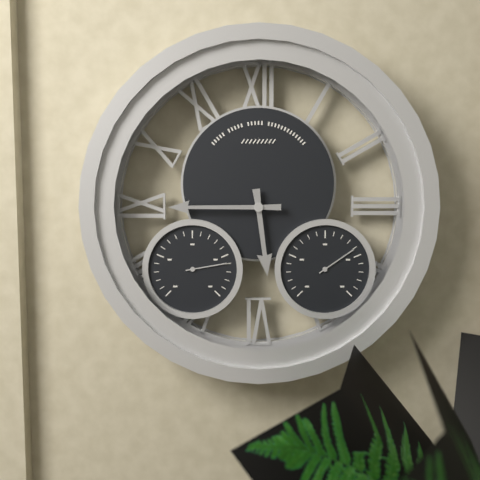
{"hour": 5, "minute": 45}
